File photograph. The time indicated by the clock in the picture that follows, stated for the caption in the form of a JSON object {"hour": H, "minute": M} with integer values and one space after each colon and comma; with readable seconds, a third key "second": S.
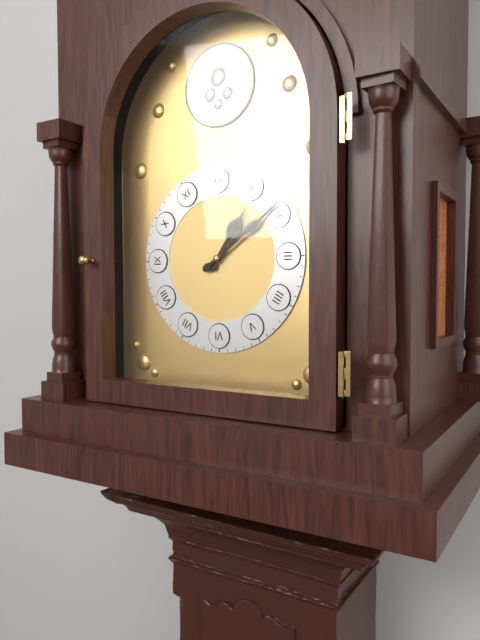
{"hour": 1, "minute": 9}
